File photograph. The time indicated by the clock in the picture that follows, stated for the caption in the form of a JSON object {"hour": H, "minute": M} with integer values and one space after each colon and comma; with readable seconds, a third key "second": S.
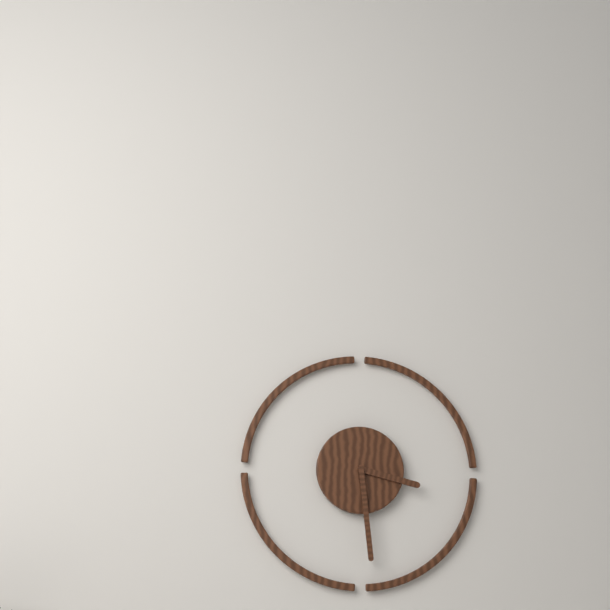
{"hour": 3, "minute": 29}
